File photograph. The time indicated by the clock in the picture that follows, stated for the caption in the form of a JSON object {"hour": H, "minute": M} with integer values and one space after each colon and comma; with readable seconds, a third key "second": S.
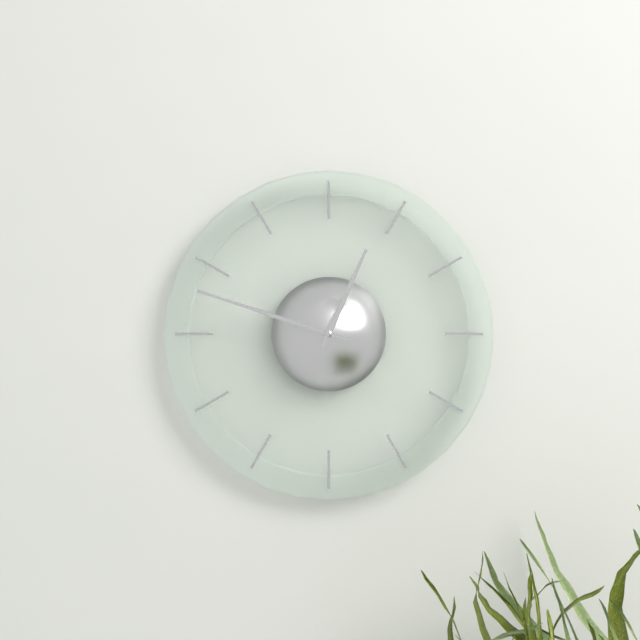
{"hour": 12, "minute": 48}
